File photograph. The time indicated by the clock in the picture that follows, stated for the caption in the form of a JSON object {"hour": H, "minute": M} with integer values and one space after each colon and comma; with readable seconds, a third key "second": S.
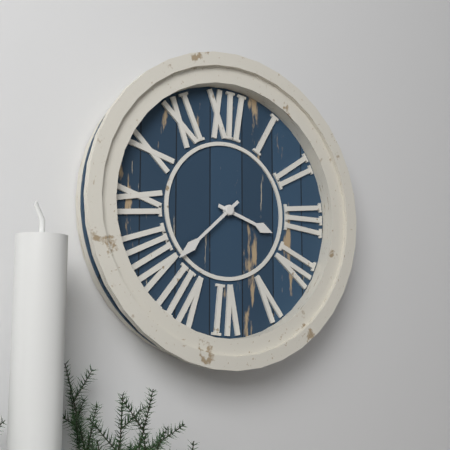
{"hour": 3, "minute": 38}
